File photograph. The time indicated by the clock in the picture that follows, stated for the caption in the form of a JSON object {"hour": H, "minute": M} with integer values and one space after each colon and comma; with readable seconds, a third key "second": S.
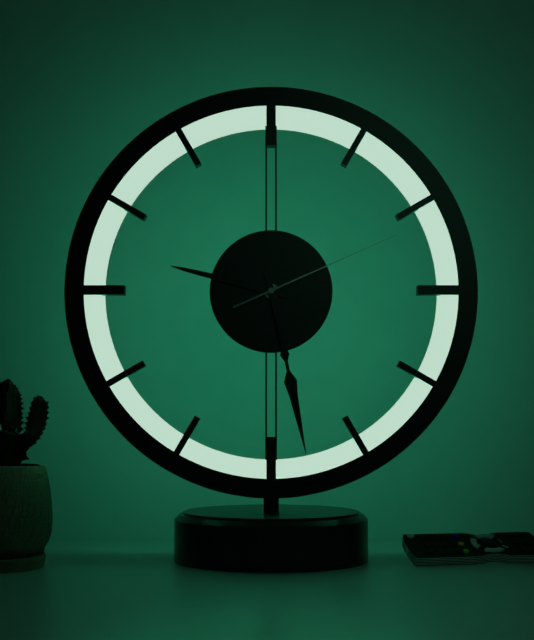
{"hour": 9, "minute": 28, "second": 11}
